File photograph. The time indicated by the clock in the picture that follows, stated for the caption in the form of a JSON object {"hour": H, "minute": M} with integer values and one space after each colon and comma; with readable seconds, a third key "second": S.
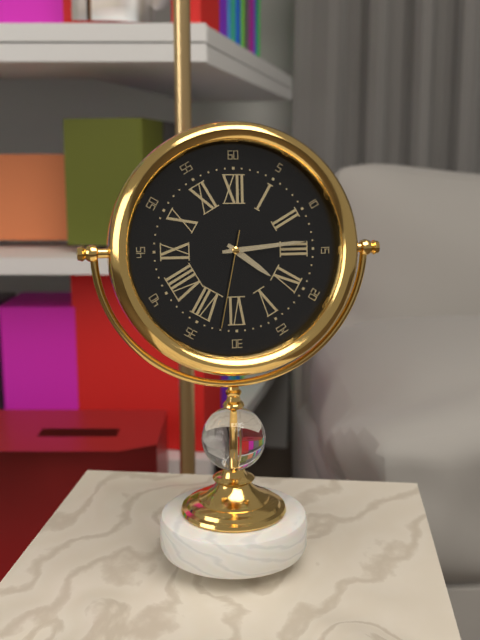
{"hour": 4, "minute": 14, "second": 32}
